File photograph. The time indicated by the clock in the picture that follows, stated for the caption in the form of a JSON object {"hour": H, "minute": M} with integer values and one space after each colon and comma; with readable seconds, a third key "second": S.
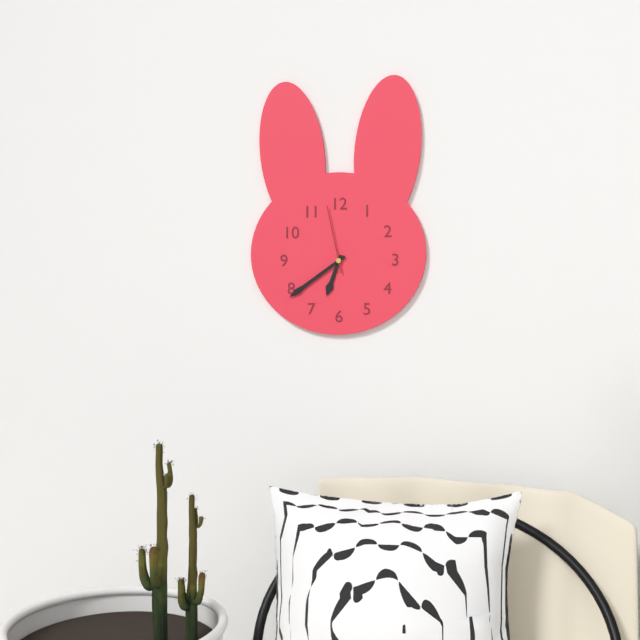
{"hour": 6, "minute": 39, "second": 58}
